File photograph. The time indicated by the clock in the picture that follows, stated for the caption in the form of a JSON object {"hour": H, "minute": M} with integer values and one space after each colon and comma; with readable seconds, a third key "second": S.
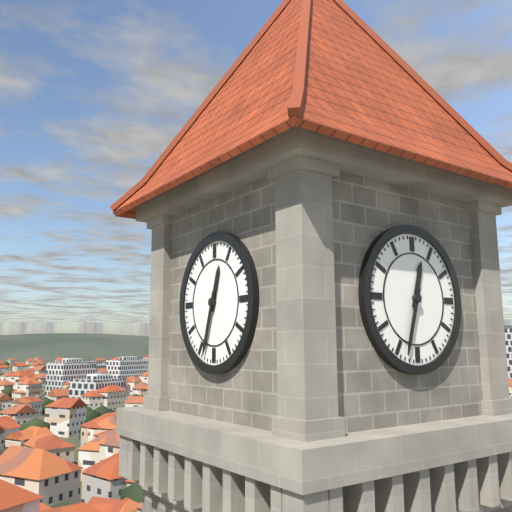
{"hour": 12, "minute": 33}
